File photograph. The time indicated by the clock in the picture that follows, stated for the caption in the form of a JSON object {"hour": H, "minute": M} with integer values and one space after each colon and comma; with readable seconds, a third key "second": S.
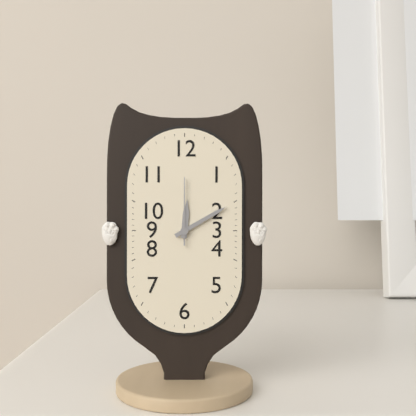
{"hour": 12, "minute": 10, "second": 0}
